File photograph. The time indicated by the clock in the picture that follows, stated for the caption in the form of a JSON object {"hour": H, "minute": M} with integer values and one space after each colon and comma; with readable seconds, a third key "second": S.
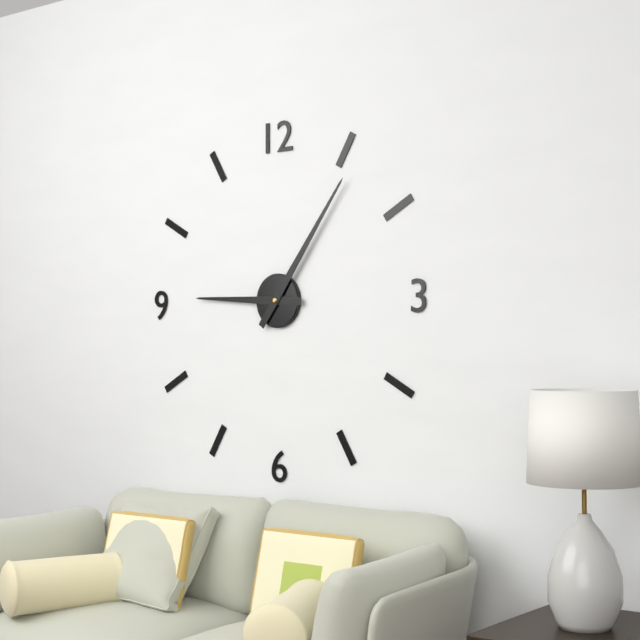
{"hour": 9, "minute": 6}
